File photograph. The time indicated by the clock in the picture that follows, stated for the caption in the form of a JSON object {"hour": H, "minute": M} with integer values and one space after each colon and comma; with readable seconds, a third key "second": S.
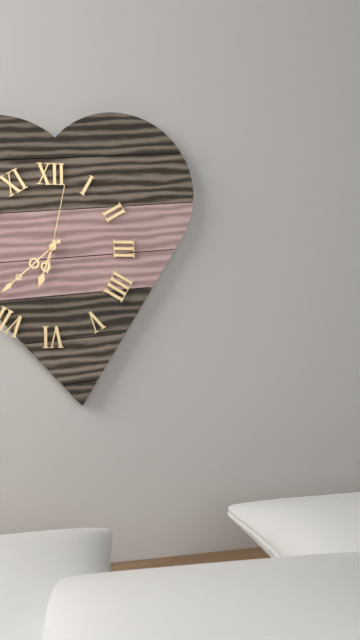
{"hour": 6, "minute": 38, "second": 2}
